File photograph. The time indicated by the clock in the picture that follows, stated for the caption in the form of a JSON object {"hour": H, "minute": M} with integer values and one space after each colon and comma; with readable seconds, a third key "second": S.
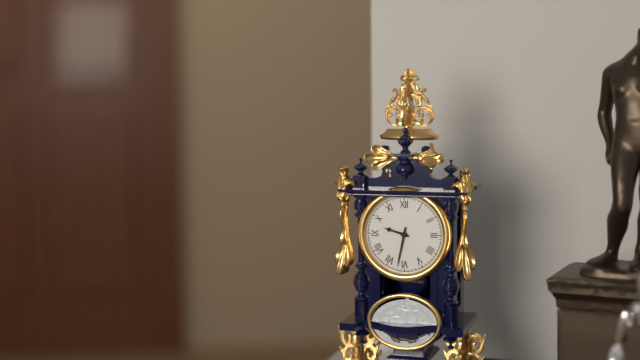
{"hour": 9, "minute": 32}
